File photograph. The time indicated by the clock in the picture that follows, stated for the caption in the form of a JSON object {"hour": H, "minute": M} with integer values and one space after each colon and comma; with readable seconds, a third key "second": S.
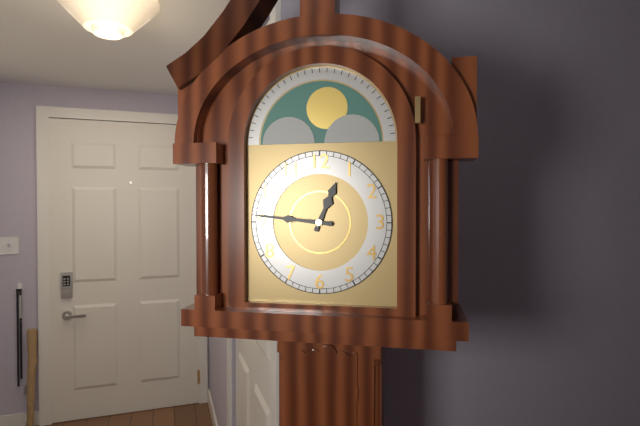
{"hour": 12, "minute": 46}
